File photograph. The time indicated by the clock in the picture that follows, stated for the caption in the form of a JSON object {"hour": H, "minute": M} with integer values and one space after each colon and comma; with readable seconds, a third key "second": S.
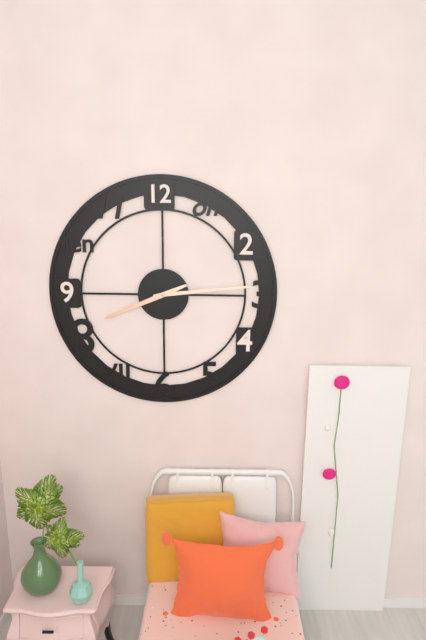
{"hour": 8, "minute": 14}
